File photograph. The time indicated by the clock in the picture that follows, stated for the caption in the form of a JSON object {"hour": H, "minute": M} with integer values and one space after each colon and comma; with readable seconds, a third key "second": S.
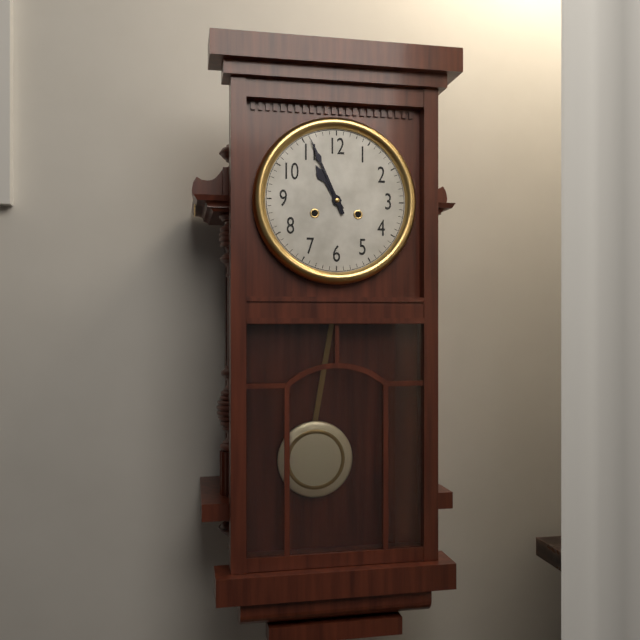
{"hour": 10, "minute": 56}
